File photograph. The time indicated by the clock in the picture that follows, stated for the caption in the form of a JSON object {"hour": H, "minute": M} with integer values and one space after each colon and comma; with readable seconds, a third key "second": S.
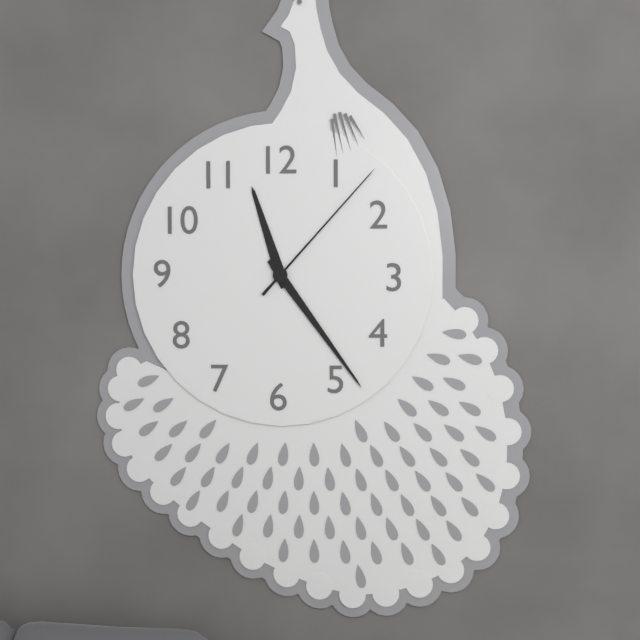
{"hour": 11, "minute": 24, "second": 7}
